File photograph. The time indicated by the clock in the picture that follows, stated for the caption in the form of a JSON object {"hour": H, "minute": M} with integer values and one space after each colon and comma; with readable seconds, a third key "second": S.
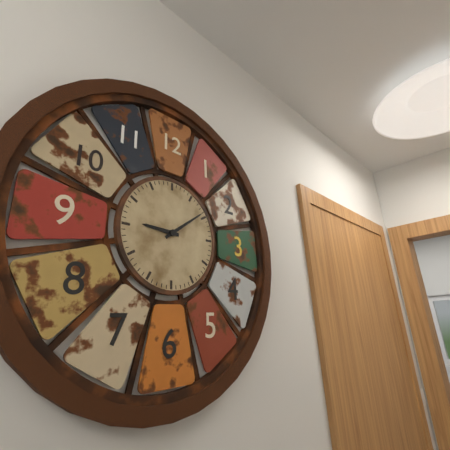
{"hour": 9, "minute": 9}
